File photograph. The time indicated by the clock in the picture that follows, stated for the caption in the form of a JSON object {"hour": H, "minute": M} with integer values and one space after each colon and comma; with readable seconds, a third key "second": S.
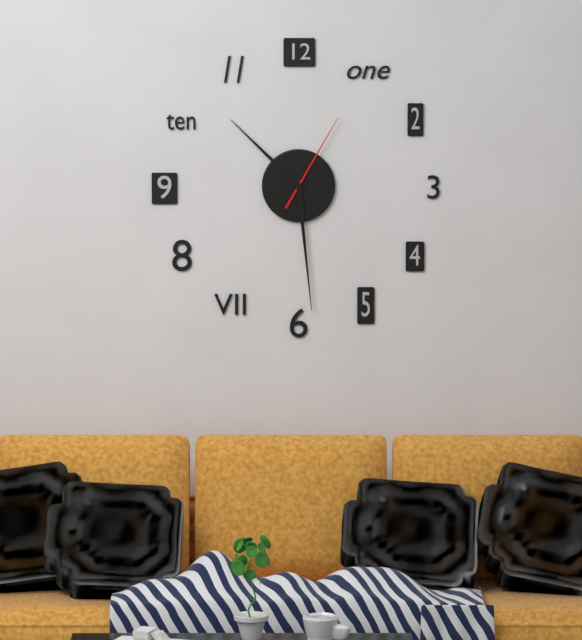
{"hour": 10, "minute": 29, "second": 5}
